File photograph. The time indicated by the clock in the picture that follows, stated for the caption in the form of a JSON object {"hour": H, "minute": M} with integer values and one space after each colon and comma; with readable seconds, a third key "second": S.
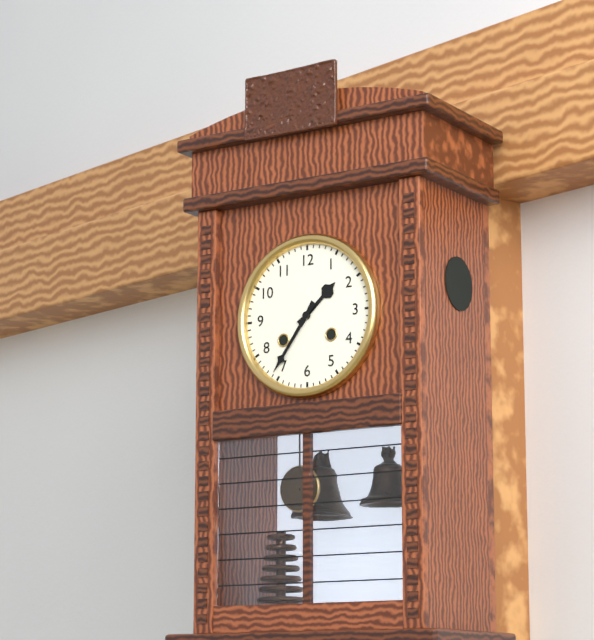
{"hour": 1, "minute": 36}
